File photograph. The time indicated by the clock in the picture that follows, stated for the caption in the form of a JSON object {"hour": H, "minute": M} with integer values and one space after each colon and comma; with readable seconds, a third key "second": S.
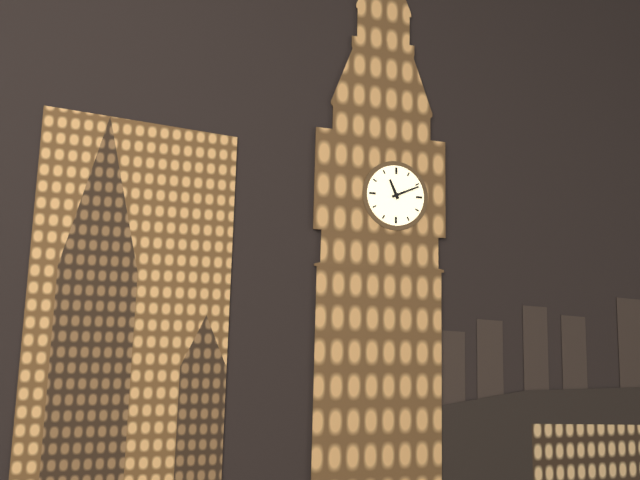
{"hour": 11, "minute": 11}
